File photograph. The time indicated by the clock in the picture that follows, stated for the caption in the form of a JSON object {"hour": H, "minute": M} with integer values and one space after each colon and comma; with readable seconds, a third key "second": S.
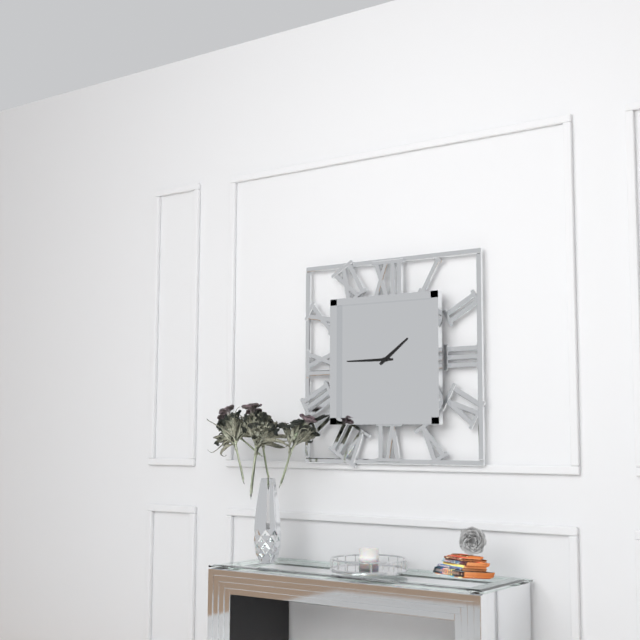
{"hour": 1, "minute": 45}
